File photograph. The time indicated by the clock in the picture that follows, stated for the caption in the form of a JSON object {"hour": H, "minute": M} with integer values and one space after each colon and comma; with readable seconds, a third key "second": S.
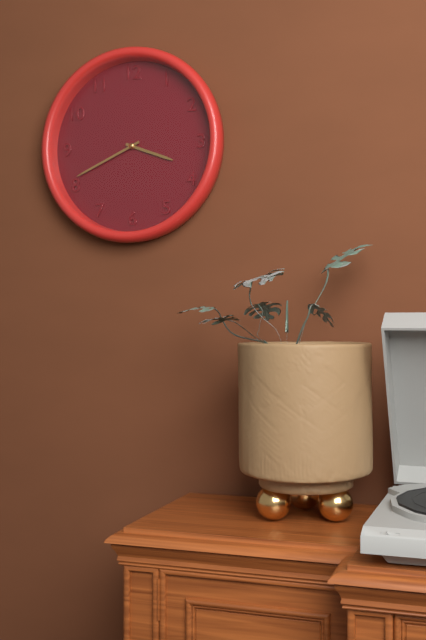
{"hour": 3, "minute": 41}
